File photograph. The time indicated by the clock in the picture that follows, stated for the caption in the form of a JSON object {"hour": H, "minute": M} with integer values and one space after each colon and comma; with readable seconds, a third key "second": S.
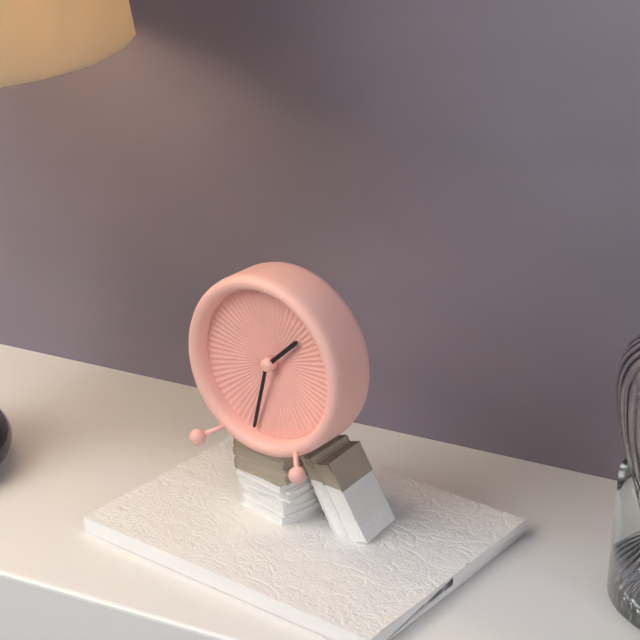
{"hour": 1, "minute": 32}
